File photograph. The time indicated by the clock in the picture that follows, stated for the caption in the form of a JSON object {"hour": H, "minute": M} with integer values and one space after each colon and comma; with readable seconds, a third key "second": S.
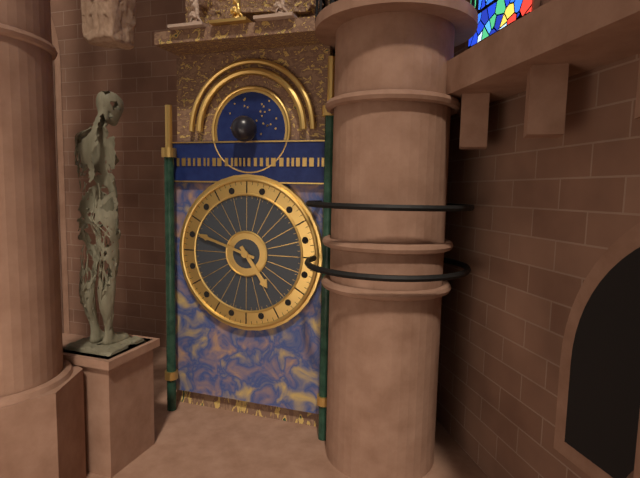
{"hour": 4, "minute": 48}
